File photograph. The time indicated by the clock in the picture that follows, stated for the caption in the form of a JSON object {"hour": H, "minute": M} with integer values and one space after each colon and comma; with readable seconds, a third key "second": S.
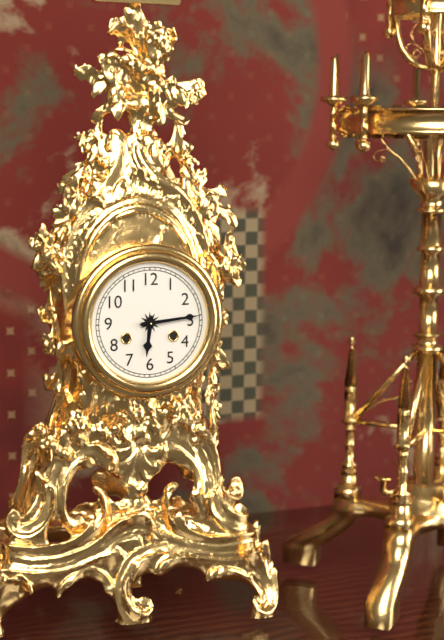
{"hour": 6, "minute": 14}
